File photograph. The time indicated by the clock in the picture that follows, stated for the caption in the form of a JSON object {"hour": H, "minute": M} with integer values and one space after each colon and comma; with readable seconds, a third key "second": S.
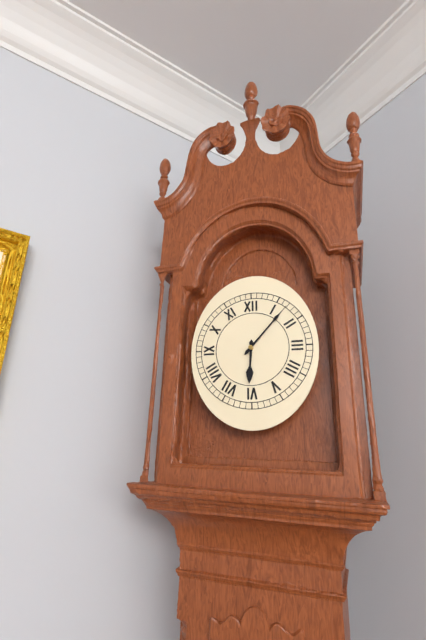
{"hour": 6, "minute": 7}
